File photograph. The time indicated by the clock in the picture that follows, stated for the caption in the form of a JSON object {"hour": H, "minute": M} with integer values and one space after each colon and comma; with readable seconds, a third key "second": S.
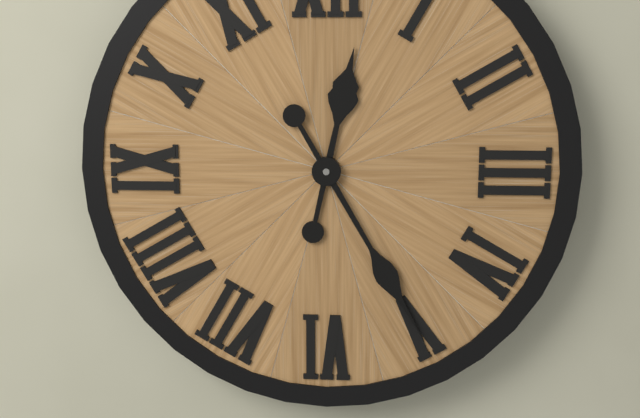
{"hour": 12, "minute": 25}
